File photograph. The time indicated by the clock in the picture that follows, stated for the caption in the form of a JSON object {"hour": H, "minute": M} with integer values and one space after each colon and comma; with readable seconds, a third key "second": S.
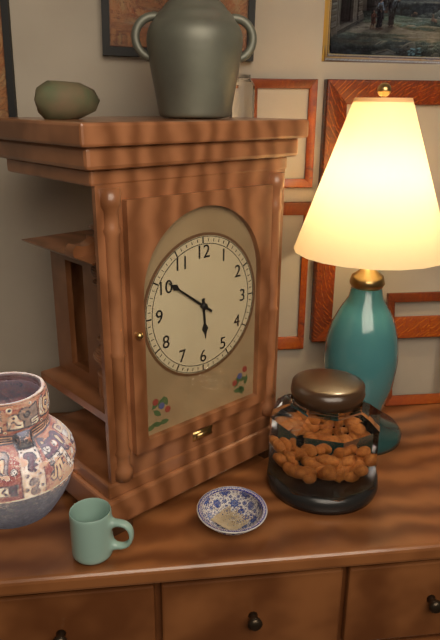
{"hour": 5, "minute": 51}
